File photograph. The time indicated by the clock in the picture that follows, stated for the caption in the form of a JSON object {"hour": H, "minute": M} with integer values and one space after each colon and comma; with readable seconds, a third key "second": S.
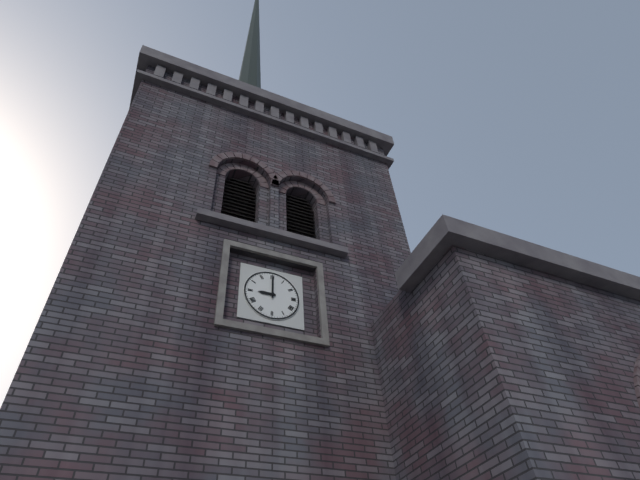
{"hour": 9, "minute": 0}
